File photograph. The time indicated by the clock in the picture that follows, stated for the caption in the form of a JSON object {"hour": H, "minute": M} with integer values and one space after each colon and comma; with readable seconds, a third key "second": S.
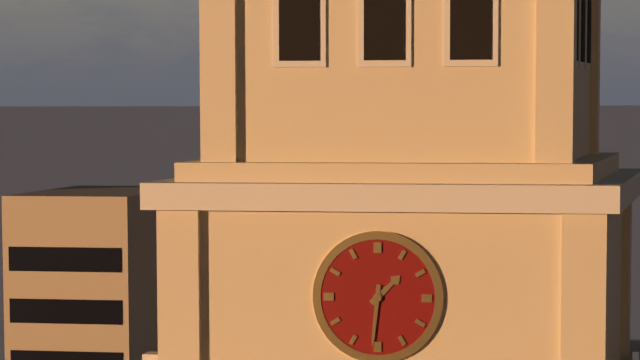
{"hour": 1, "minute": 31}
